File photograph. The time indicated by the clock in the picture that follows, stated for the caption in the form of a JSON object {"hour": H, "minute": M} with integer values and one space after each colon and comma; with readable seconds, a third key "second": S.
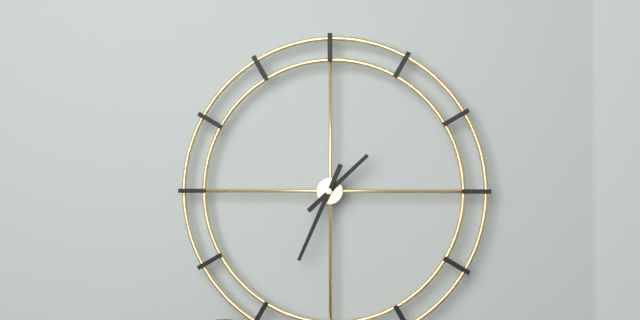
{"hour": 1, "minute": 34}
